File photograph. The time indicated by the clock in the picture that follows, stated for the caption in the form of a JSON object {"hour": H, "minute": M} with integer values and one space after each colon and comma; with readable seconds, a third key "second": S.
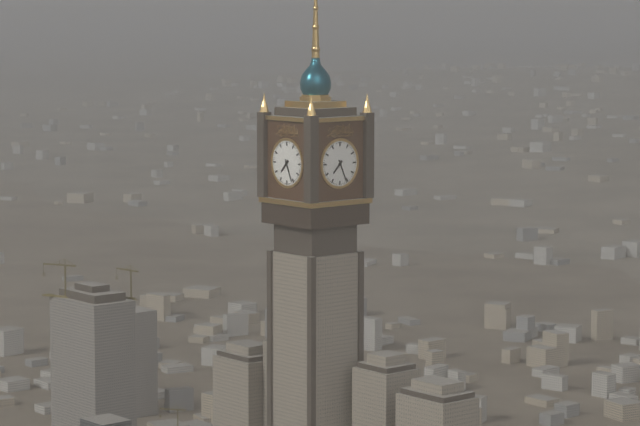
{"hour": 7, "minute": 26}
